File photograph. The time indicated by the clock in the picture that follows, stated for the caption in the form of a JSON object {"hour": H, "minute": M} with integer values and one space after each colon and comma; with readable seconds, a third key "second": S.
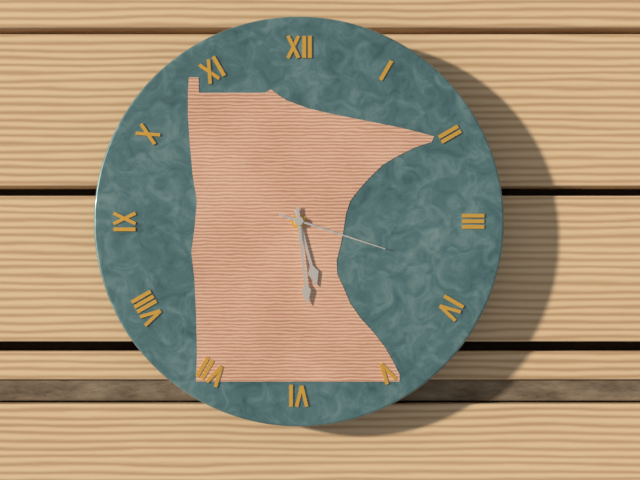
{"hour": 5, "minute": 29, "second": 18}
